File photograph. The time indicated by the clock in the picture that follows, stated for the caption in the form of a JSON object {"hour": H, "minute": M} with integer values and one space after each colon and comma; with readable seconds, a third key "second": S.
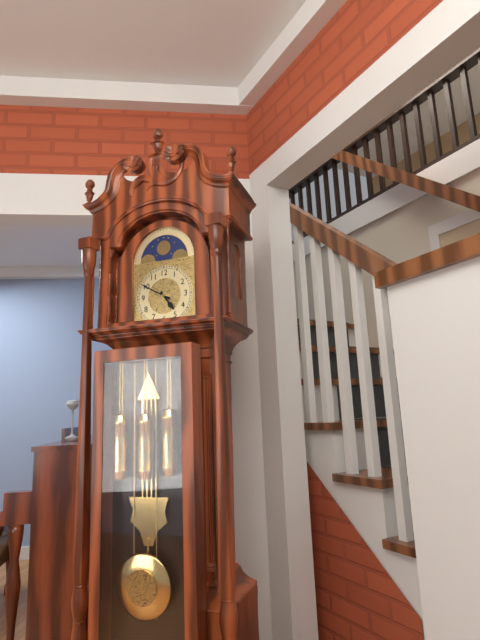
{"hour": 4, "minute": 50}
